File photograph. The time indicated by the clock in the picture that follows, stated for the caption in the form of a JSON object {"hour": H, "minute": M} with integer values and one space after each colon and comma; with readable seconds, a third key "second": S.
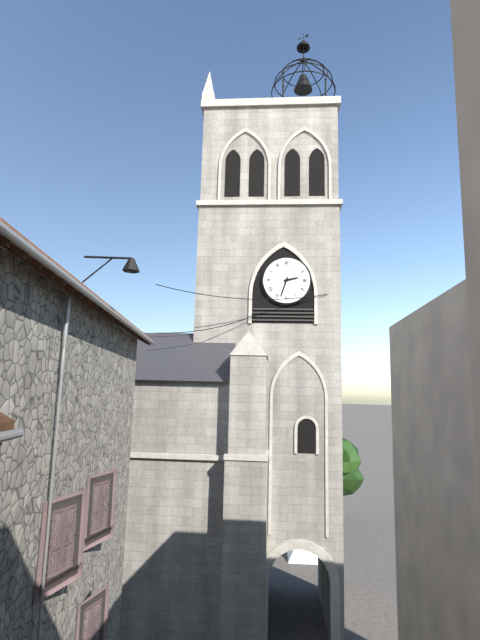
{"hour": 2, "minute": 33}
